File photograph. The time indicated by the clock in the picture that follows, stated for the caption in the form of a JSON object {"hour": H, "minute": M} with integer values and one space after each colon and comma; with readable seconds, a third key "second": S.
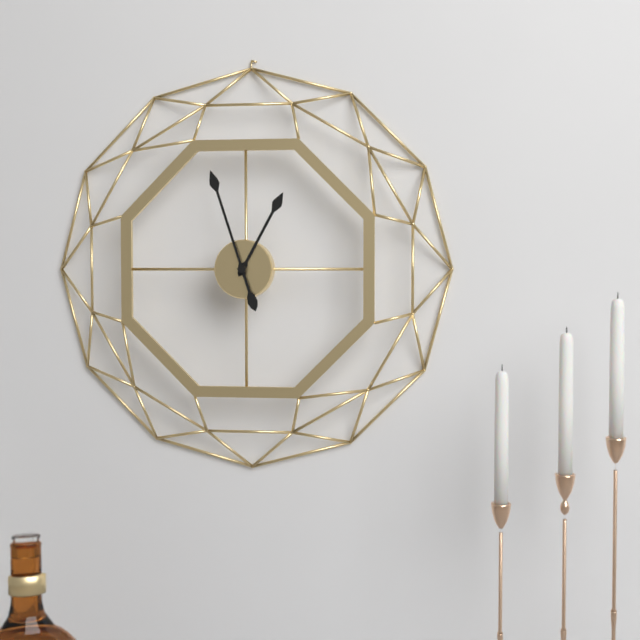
{"hour": 12, "minute": 57}
